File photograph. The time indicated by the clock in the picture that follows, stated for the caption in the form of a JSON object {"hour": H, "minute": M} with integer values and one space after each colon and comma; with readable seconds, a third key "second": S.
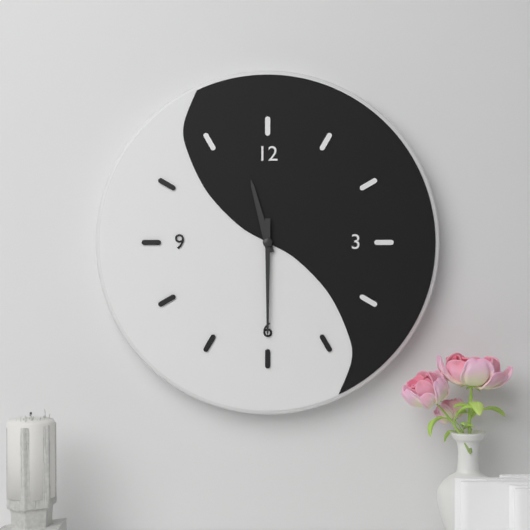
{"hour": 11, "minute": 30}
